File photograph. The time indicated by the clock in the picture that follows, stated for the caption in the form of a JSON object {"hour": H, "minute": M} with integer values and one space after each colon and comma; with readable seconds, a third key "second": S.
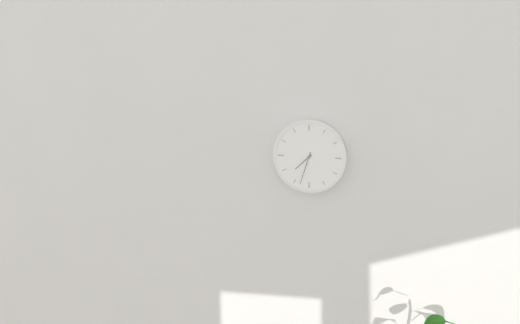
{"hour": 7, "minute": 33}
